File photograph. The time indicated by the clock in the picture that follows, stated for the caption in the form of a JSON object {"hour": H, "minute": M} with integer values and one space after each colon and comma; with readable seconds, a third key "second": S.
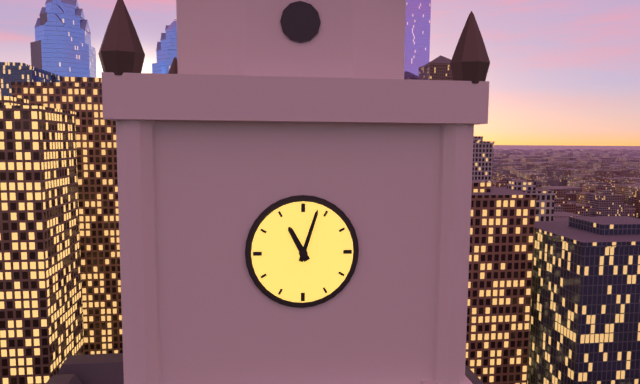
{"hour": 11, "minute": 3}
